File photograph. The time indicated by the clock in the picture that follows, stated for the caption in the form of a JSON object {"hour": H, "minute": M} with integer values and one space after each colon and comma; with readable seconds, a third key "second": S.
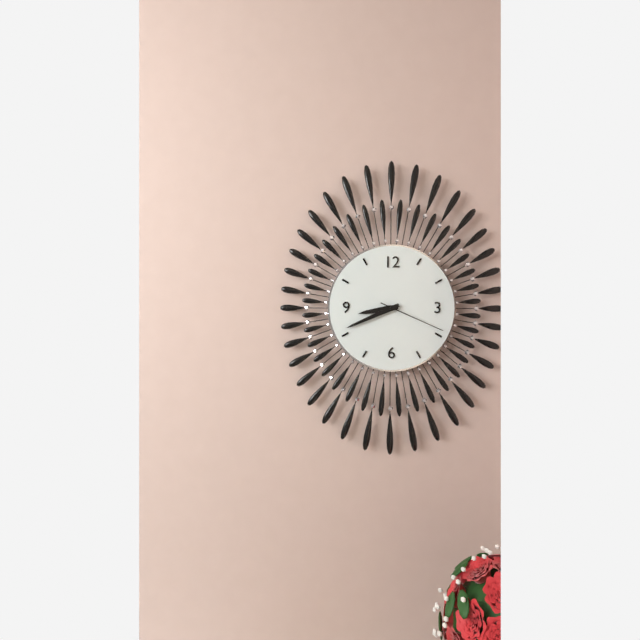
{"hour": 8, "minute": 41, "second": 19}
